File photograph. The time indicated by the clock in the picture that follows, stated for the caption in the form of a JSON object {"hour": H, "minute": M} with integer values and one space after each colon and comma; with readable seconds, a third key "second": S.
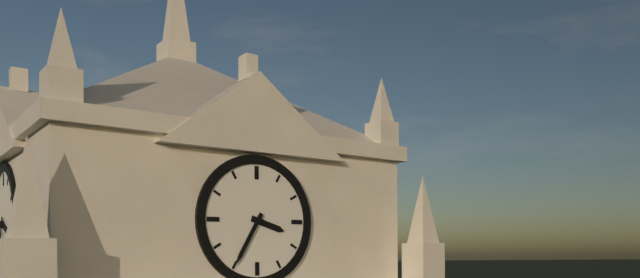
{"hour": 3, "minute": 35}
